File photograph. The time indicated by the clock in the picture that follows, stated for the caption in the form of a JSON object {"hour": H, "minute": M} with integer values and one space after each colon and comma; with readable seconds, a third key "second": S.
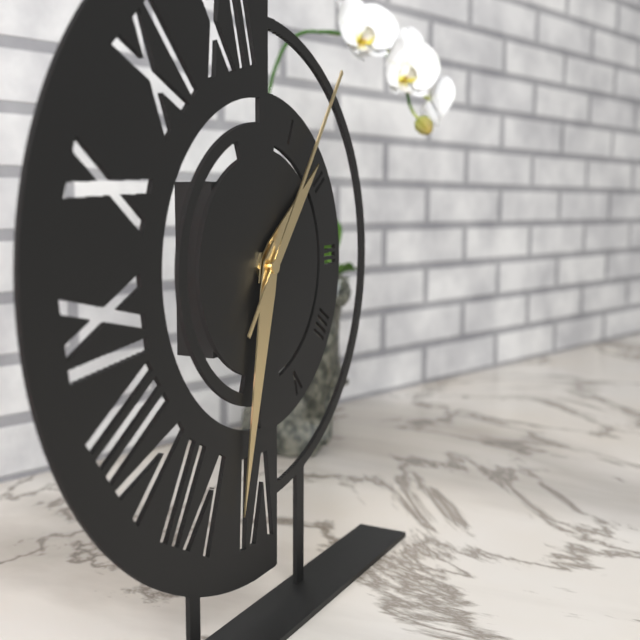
{"hour": 1, "minute": 32, "second": 6}
